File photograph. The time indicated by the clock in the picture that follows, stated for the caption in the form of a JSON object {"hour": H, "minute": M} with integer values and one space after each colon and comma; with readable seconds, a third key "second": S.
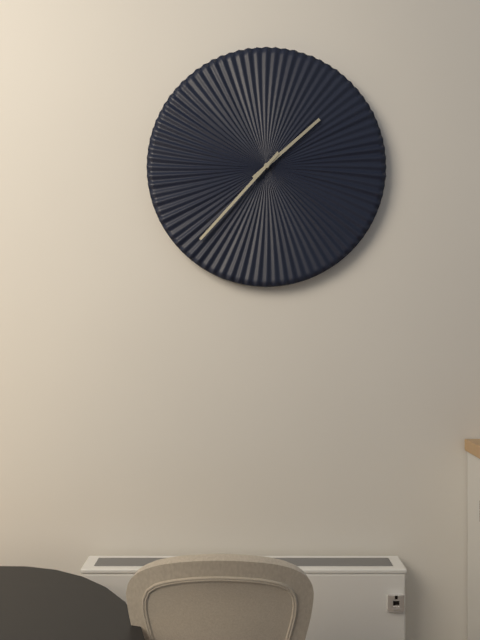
{"hour": 1, "minute": 37}
